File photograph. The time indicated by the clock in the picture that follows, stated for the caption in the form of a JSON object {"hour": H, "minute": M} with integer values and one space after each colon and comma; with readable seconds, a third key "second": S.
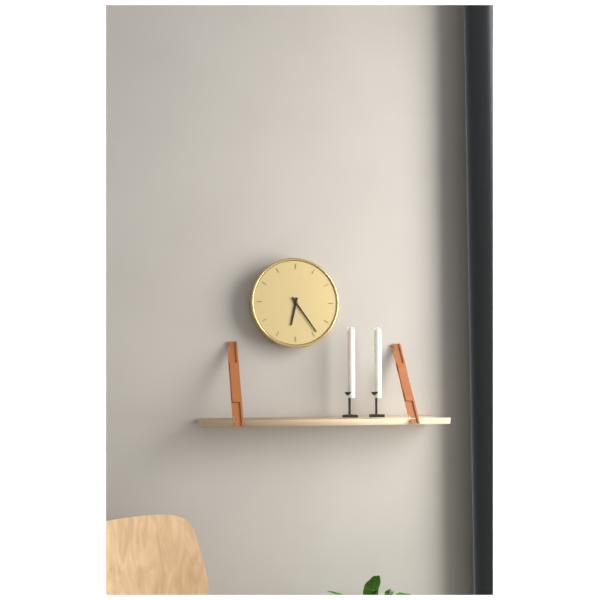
{"hour": 6, "minute": 24}
